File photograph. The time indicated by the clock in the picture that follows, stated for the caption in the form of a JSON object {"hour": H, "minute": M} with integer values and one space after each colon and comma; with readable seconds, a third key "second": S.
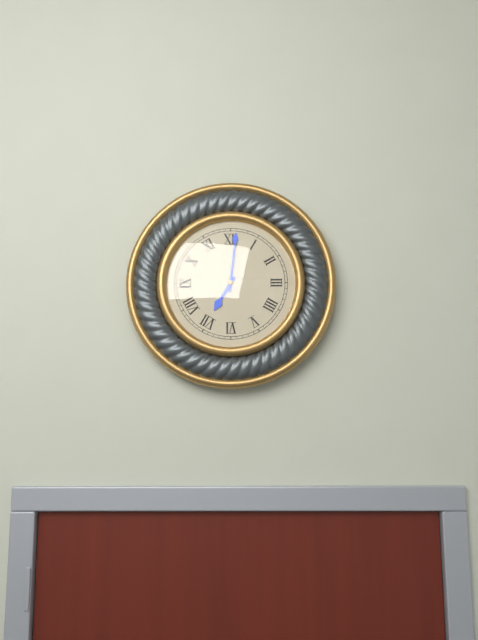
{"hour": 7, "minute": 1}
